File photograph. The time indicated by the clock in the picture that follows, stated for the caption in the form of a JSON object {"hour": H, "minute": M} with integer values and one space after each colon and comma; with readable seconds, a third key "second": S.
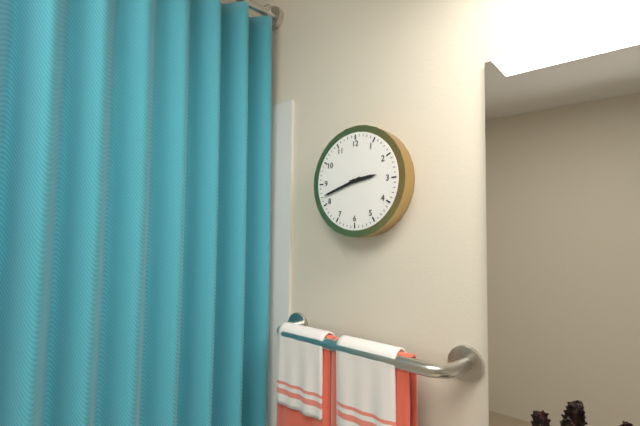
{"hour": 2, "minute": 42}
